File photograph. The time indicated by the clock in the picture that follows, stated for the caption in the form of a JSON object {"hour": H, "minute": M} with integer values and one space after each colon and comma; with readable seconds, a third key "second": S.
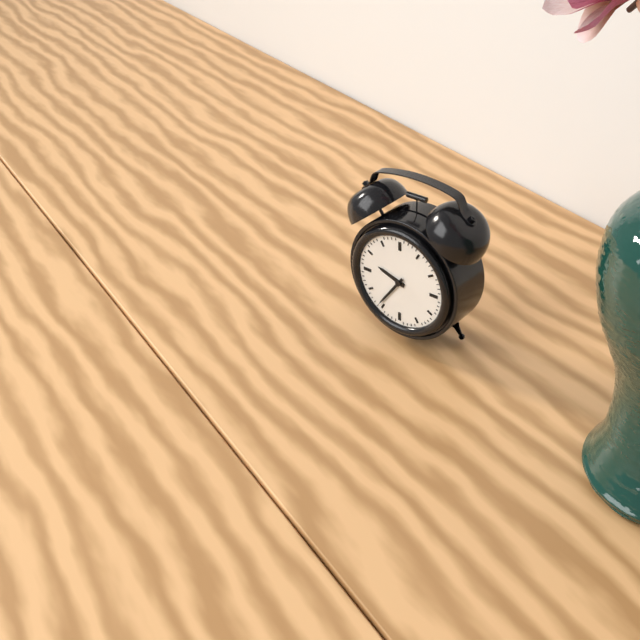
{"hour": 9, "minute": 36}
